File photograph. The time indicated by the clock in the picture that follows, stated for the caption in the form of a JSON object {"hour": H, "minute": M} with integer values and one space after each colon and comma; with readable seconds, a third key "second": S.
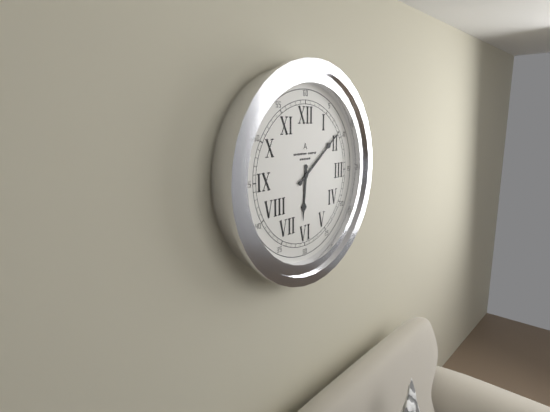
{"hour": 6, "minute": 9}
